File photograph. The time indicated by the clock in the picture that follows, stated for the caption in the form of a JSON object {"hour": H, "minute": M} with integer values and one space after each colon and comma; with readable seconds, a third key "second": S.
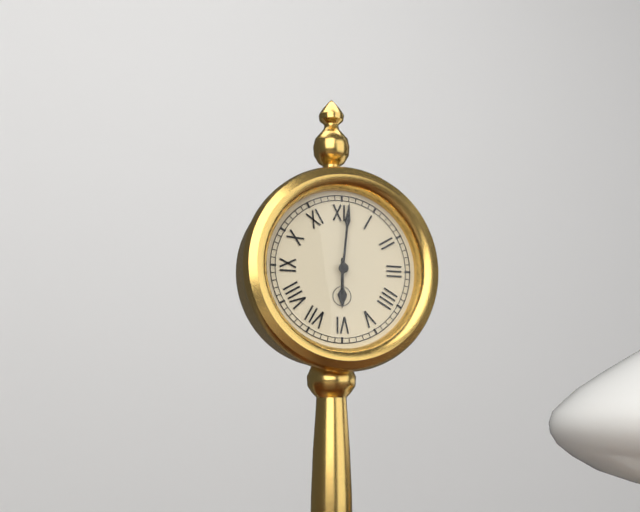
{"hour": 6, "minute": 1}
